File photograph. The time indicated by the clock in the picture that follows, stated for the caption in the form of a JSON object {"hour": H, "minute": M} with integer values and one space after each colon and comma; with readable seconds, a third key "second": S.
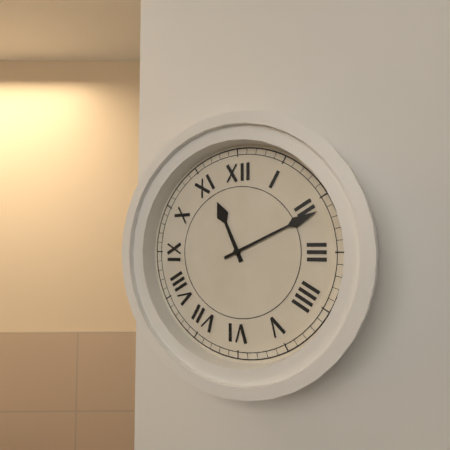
{"hour": 11, "minute": 11}
